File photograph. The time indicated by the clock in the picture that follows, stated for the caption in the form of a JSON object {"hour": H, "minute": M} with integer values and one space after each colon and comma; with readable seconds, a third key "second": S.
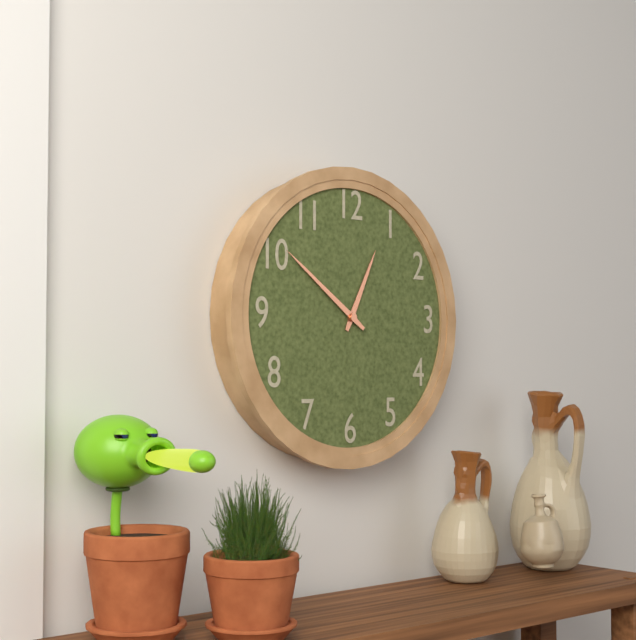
{"hour": 12, "minute": 51}
